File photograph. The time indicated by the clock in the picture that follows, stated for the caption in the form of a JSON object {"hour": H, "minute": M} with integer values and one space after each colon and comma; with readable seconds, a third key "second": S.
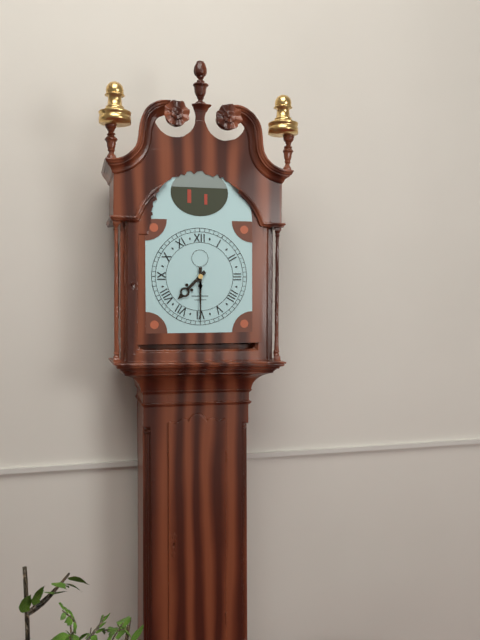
{"hour": 7, "minute": 30}
